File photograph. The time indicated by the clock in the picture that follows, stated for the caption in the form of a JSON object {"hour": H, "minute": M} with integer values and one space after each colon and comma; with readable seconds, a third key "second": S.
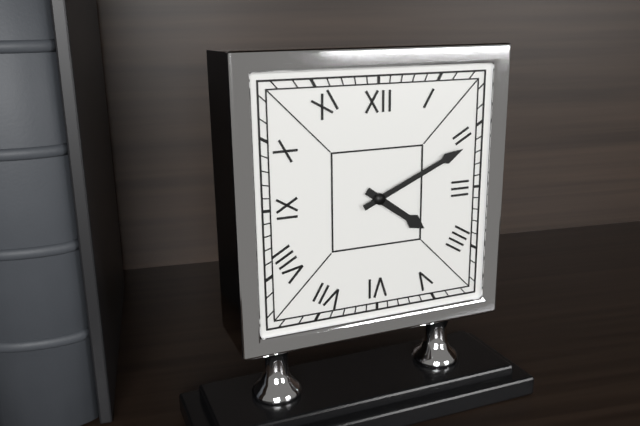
{"hour": 4, "minute": 11}
